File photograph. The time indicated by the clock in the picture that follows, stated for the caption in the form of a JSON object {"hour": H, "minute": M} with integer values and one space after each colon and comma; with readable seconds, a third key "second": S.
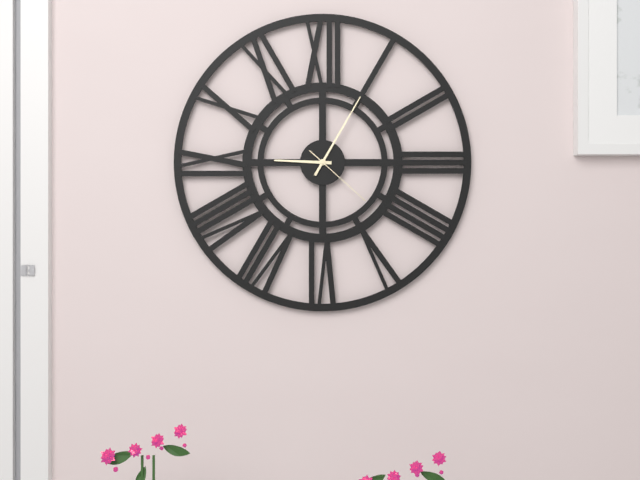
{"hour": 9, "minute": 5, "second": 22}
